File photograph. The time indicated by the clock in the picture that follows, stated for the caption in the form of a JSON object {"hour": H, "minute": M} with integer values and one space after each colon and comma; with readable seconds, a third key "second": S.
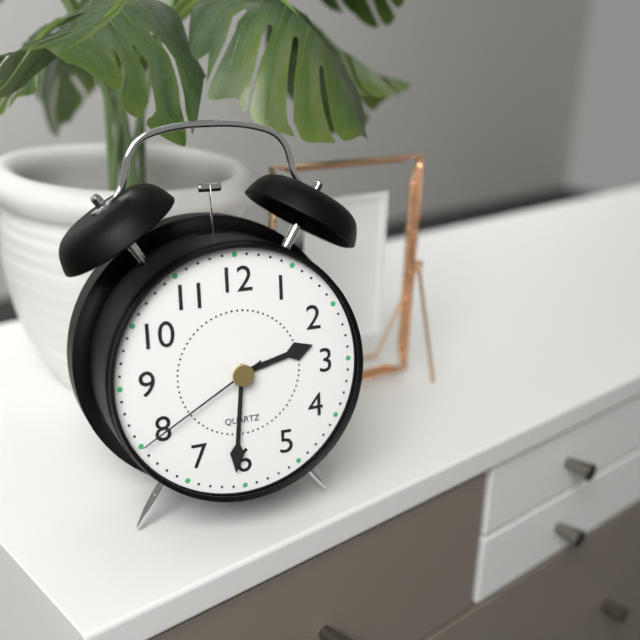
{"hour": 2, "minute": 31, "second": 40}
